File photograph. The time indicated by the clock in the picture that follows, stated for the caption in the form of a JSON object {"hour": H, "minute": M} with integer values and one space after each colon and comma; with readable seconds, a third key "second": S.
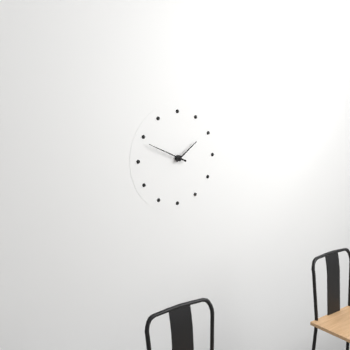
{"hour": 1, "minute": 49}
